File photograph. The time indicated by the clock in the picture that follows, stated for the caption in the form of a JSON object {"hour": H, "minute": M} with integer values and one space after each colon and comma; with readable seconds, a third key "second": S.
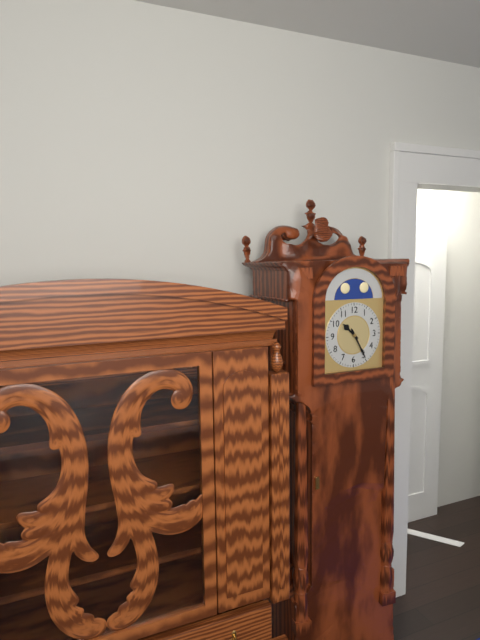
{"hour": 10, "minute": 25}
